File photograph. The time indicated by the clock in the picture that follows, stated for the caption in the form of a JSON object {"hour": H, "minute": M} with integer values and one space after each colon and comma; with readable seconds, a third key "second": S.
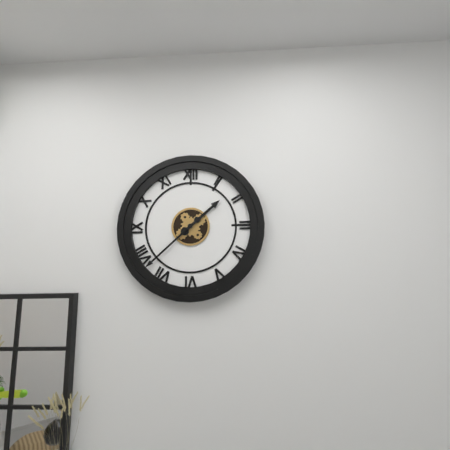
{"hour": 1, "minute": 38}
